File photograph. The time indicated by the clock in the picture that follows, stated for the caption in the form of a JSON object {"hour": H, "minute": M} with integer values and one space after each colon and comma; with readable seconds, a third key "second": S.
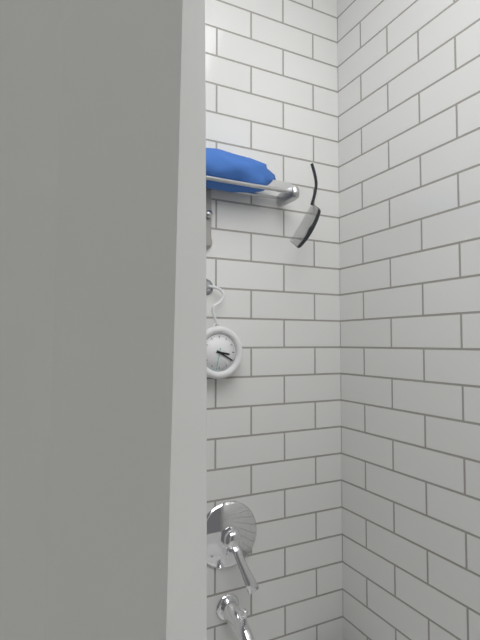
{"hour": 3, "minute": 20}
